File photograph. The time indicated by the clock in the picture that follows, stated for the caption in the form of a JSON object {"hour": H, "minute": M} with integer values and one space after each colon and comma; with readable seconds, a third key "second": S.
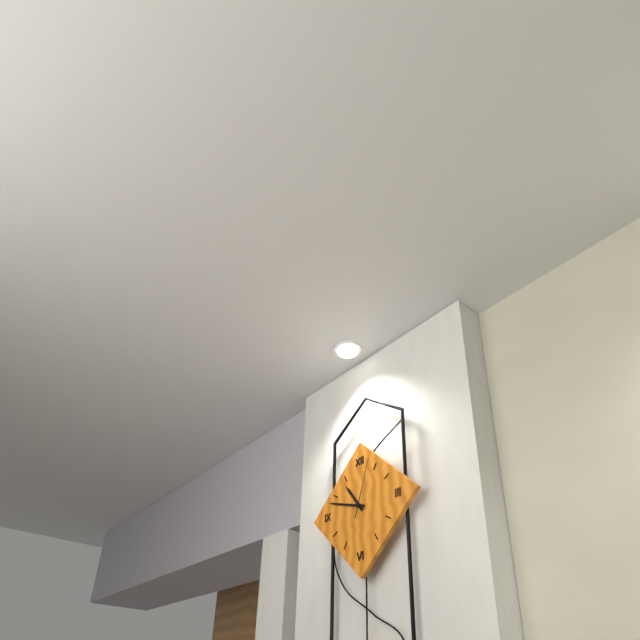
{"hour": 10, "minute": 48, "second": 3}
